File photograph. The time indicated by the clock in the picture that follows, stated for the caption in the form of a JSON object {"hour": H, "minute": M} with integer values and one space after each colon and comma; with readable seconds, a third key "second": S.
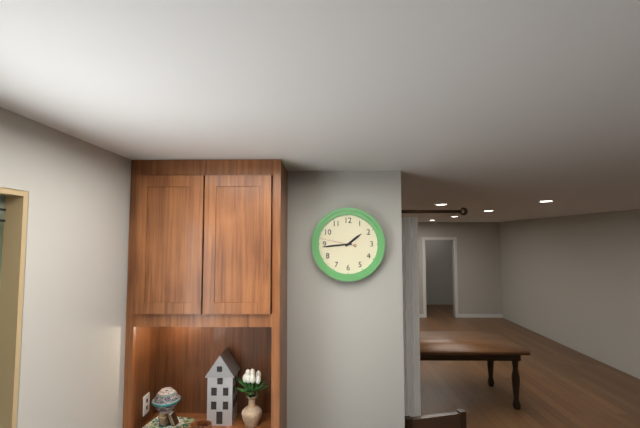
{"hour": 1, "minute": 44}
